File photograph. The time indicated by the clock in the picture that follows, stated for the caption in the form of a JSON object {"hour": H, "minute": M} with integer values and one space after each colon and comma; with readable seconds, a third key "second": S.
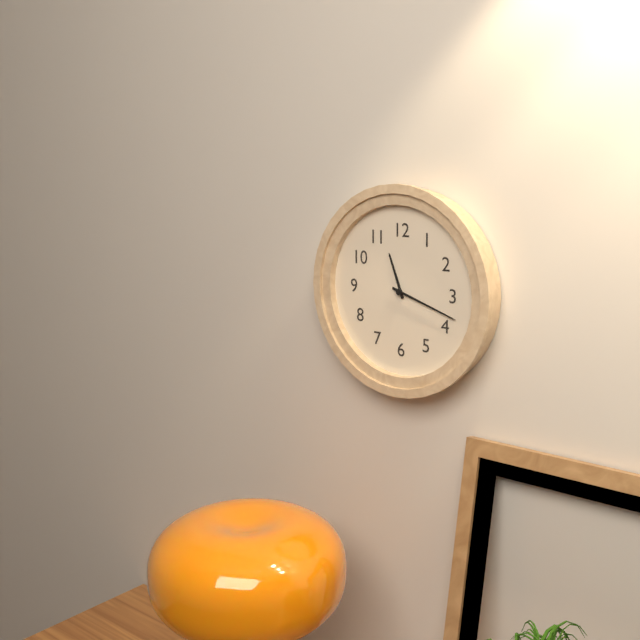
{"hour": 11, "minute": 18}
